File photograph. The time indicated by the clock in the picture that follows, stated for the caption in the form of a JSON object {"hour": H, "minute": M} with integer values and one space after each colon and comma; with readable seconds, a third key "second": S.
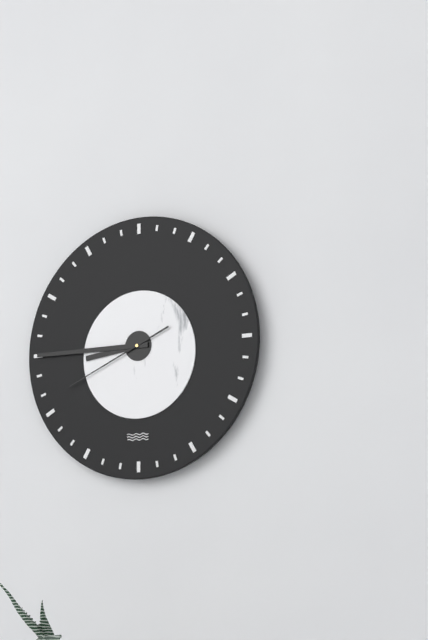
{"hour": 8, "minute": 45, "second": 41}
